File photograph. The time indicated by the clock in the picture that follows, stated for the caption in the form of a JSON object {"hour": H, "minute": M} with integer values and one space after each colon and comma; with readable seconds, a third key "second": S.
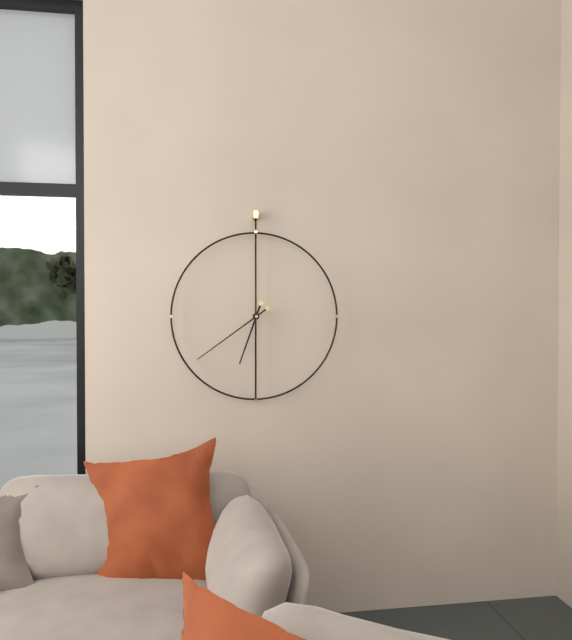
{"hour": 6, "minute": 39}
